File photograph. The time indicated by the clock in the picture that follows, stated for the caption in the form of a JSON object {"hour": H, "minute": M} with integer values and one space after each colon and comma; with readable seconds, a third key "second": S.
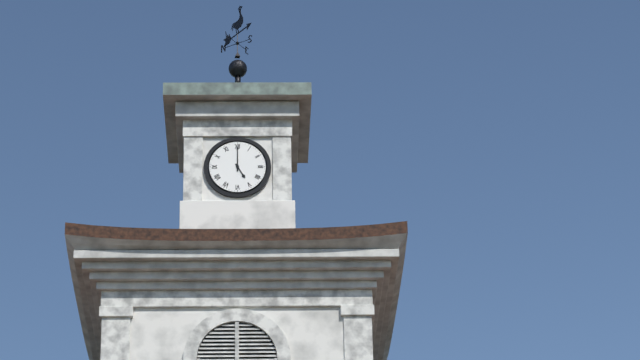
{"hour": 5, "minute": 0}
